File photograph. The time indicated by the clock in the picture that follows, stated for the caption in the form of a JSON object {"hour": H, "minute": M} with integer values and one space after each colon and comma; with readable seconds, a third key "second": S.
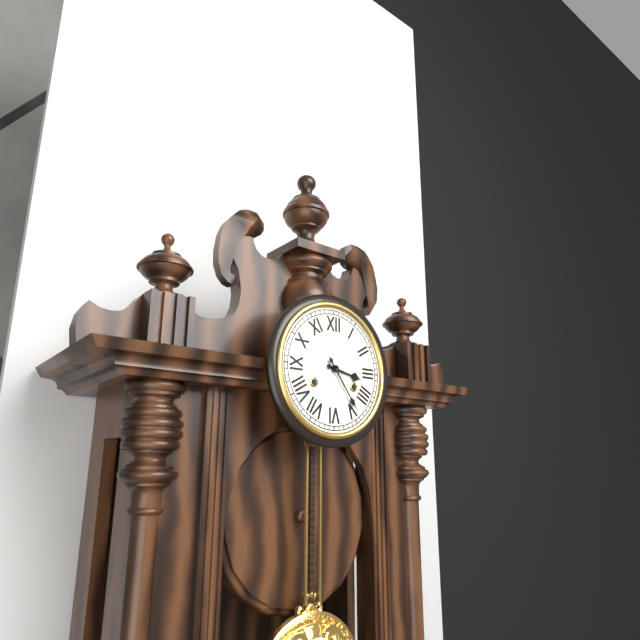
{"hour": 3, "minute": 24}
